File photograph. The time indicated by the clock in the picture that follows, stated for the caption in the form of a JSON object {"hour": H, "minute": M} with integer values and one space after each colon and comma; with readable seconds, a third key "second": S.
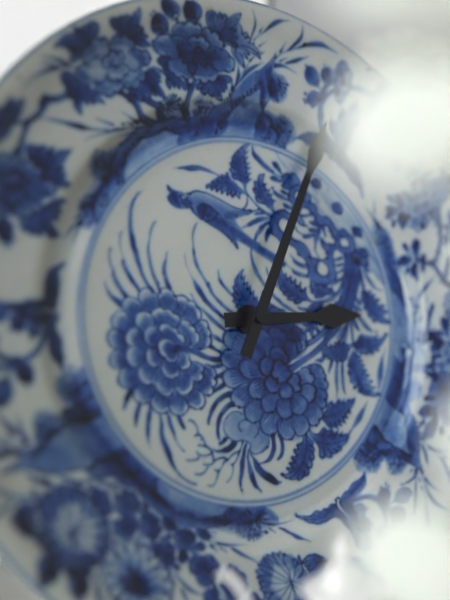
{"hour": 3, "minute": 5}
